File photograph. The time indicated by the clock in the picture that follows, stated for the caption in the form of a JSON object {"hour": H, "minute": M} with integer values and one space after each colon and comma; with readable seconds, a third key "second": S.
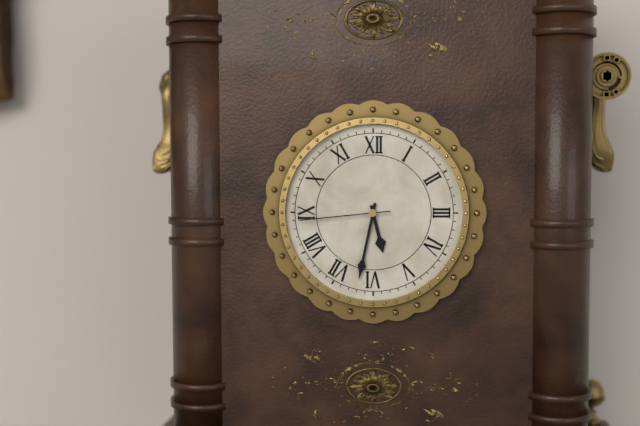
{"hour": 5, "minute": 32, "second": 44}
